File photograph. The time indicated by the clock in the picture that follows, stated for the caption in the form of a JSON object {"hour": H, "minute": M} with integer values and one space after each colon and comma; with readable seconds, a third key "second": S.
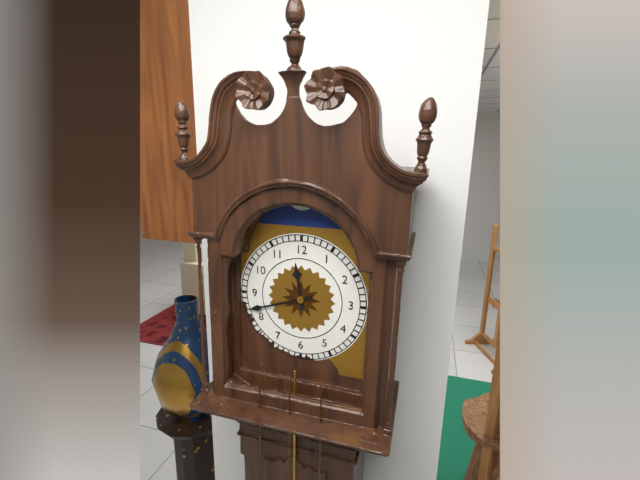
{"hour": 11, "minute": 42}
